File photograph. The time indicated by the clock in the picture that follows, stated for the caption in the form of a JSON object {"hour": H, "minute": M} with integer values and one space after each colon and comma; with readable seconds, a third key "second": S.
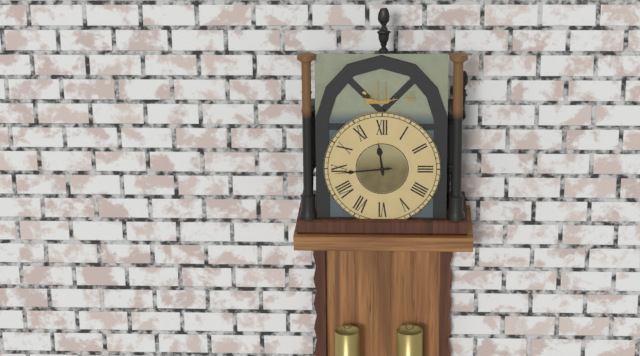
{"hour": 11, "minute": 44}
